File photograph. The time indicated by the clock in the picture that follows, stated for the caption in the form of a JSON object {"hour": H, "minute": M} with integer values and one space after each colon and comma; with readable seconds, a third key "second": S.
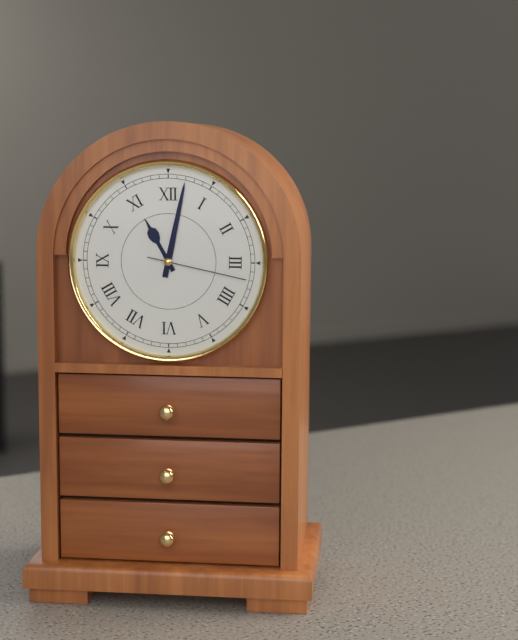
{"hour": 11, "minute": 2, "second": 17}
